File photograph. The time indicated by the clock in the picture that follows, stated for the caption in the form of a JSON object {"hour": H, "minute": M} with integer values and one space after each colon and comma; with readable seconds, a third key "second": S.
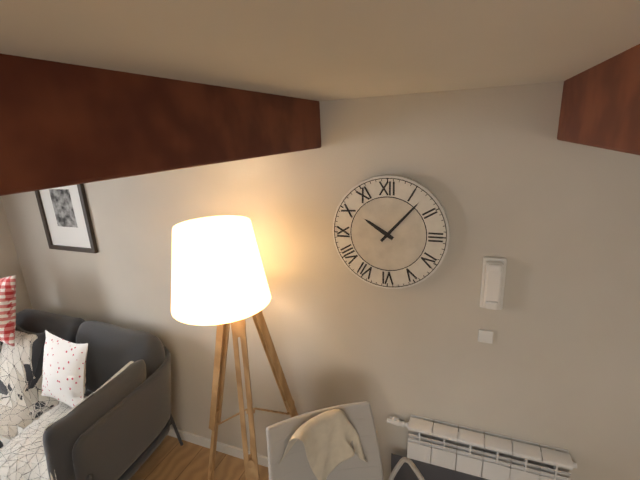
{"hour": 10, "minute": 7}
